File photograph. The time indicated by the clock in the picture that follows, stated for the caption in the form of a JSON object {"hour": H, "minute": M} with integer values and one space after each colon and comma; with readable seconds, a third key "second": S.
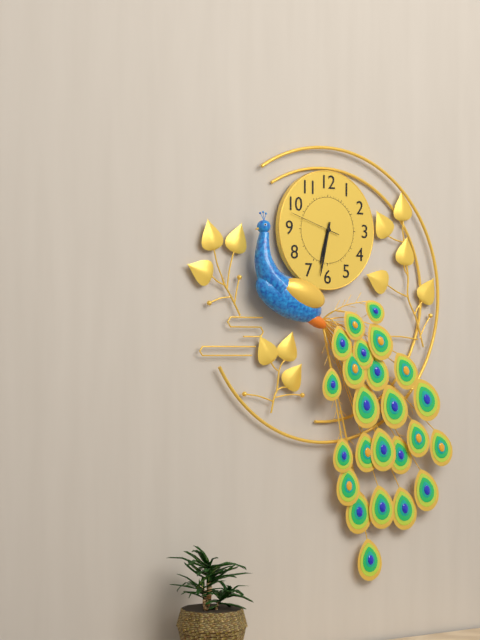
{"hour": 6, "minute": 32, "second": 48}
